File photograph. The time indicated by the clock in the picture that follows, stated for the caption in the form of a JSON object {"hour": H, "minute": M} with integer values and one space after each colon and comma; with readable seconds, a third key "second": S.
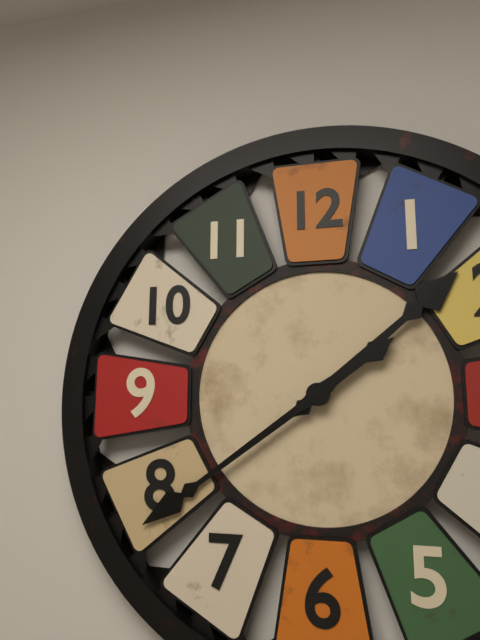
{"hour": 1, "minute": 39}
